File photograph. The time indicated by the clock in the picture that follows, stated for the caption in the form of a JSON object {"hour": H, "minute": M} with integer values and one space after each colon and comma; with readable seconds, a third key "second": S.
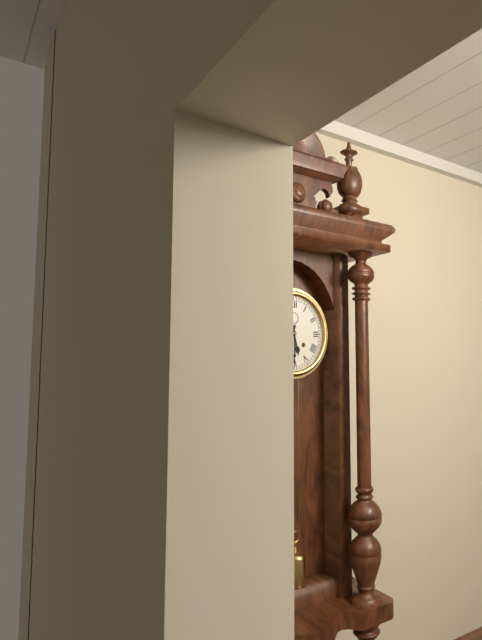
{"hour": 5, "minute": 30}
